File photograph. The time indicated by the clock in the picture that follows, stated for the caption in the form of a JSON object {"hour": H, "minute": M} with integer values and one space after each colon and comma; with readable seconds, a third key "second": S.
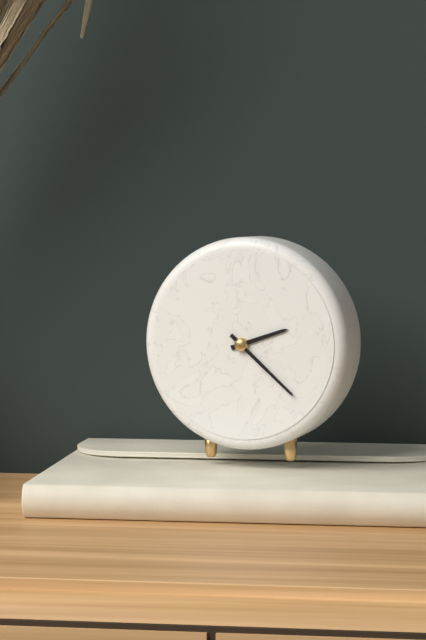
{"hour": 2, "minute": 22}
